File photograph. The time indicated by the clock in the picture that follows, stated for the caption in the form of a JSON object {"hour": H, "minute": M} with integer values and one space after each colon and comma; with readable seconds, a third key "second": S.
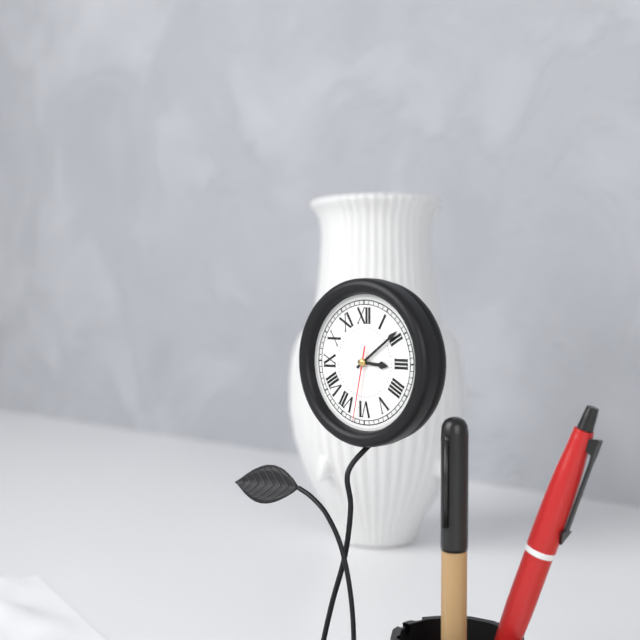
{"hour": 3, "minute": 9, "second": 32}
